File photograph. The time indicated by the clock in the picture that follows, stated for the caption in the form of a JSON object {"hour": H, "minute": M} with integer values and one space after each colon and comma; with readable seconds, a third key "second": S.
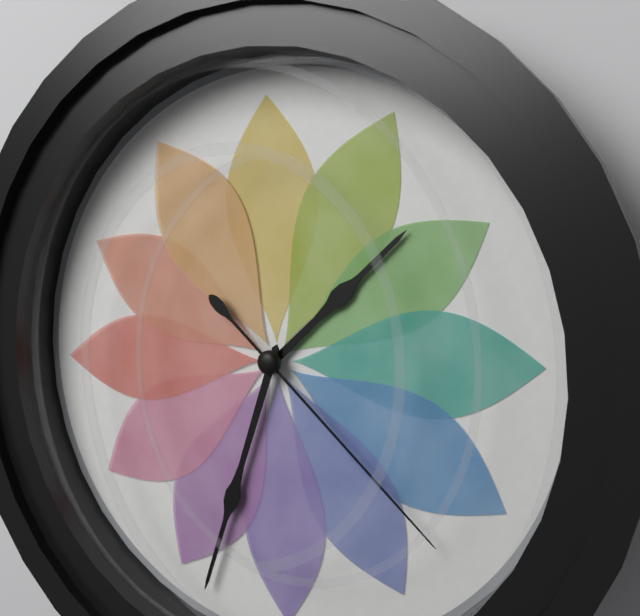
{"hour": 1, "minute": 33, "second": 22}
